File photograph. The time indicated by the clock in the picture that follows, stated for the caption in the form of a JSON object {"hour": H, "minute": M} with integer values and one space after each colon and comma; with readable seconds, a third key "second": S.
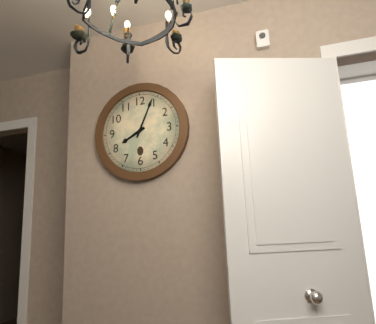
{"hour": 8, "minute": 4}
